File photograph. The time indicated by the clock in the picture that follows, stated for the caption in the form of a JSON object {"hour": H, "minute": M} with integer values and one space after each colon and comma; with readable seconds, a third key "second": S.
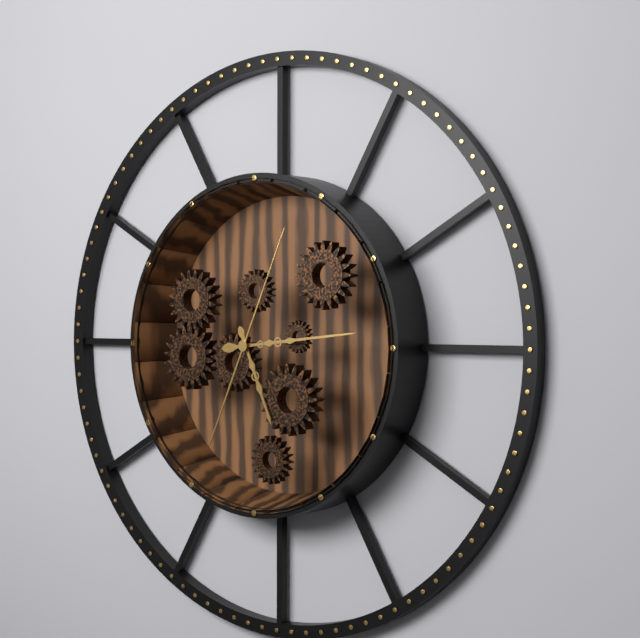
{"hour": 5, "minute": 14, "second": 4}
